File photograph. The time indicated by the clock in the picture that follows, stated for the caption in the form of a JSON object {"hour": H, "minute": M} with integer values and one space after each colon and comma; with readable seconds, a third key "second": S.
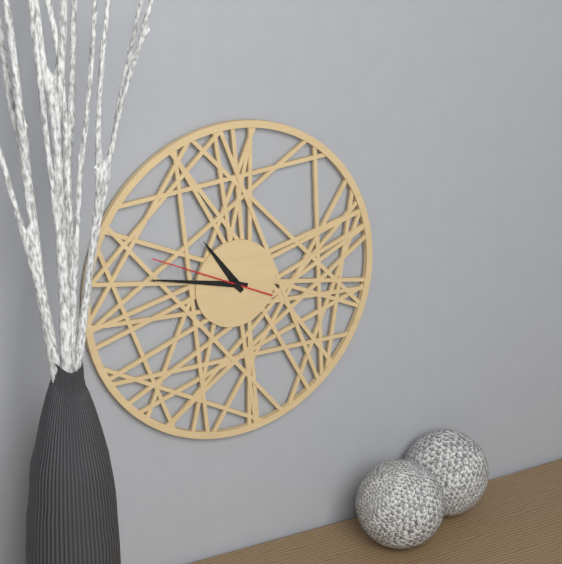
{"hour": 10, "minute": 47, "second": 49}
